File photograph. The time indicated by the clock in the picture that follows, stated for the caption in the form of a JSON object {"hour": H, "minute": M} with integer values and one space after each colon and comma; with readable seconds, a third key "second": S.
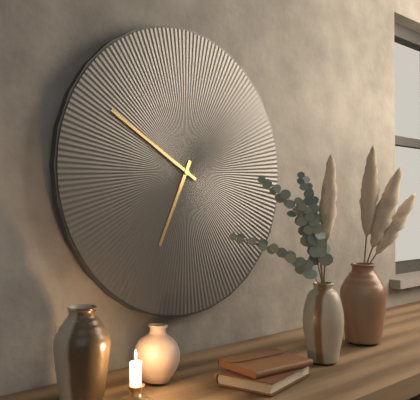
{"hour": 6, "minute": 50}
